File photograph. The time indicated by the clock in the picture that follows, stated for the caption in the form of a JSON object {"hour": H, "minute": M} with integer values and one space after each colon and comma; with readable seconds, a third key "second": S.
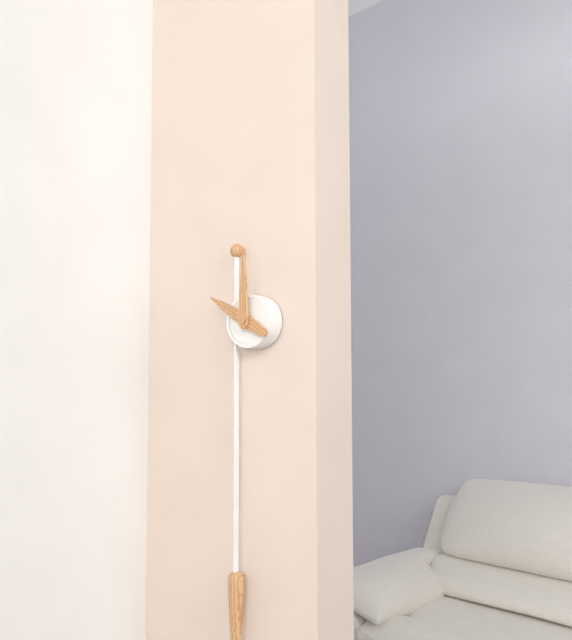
{"hour": 10, "minute": 0}
